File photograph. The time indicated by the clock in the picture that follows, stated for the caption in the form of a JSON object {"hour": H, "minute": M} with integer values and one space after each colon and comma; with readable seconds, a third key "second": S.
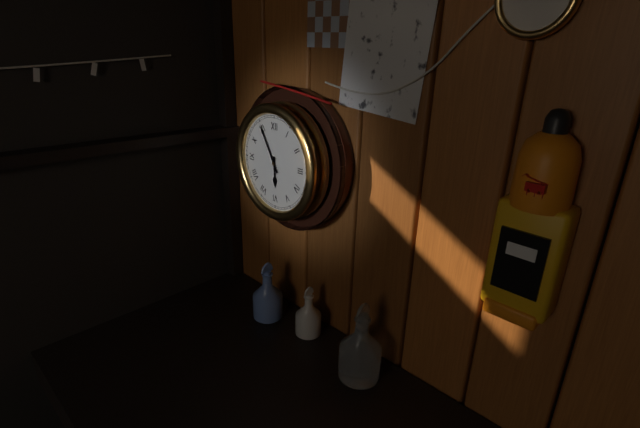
{"hour": 5, "minute": 55}
